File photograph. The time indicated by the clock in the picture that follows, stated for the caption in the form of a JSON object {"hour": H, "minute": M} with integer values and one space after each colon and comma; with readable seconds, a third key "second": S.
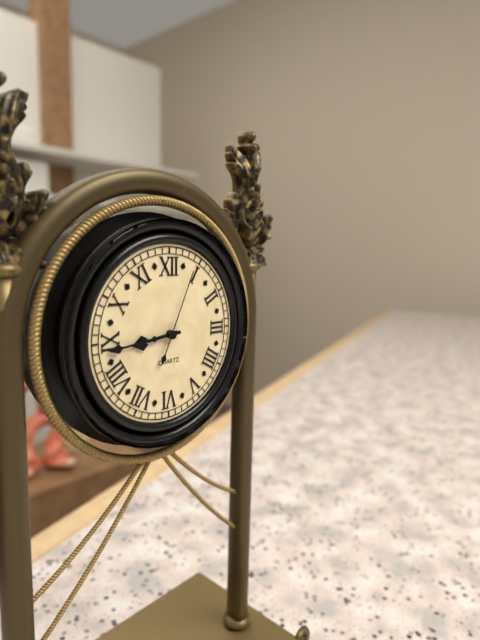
{"hour": 8, "minute": 44, "second": 4}
